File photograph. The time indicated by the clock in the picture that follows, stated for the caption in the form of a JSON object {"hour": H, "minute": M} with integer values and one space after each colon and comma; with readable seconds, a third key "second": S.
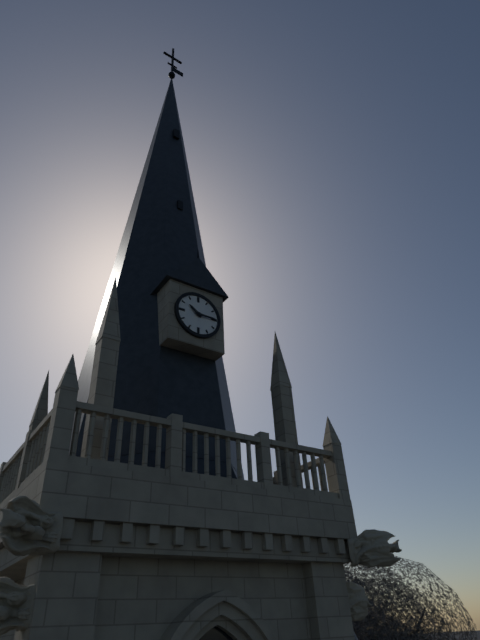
{"hour": 10, "minute": 15}
